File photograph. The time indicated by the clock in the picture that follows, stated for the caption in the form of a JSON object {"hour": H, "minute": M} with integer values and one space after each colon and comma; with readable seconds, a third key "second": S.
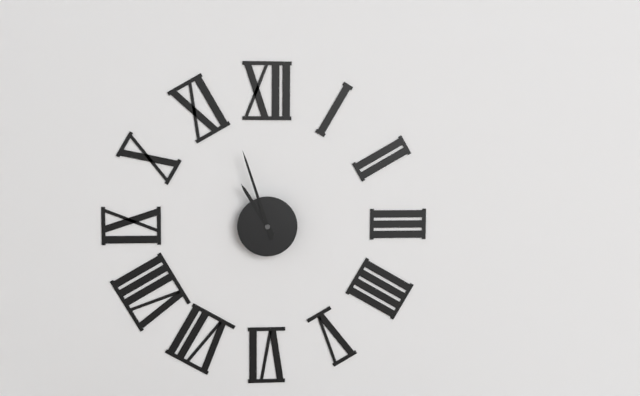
{"hour": 10, "minute": 57}
